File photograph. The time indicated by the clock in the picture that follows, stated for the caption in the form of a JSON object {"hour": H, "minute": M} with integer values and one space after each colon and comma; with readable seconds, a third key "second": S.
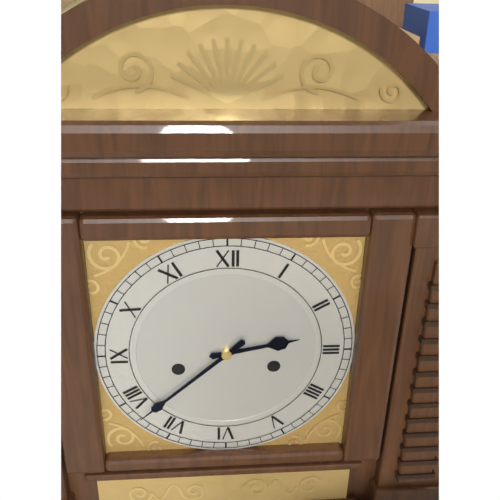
{"hour": 2, "minute": 38}
